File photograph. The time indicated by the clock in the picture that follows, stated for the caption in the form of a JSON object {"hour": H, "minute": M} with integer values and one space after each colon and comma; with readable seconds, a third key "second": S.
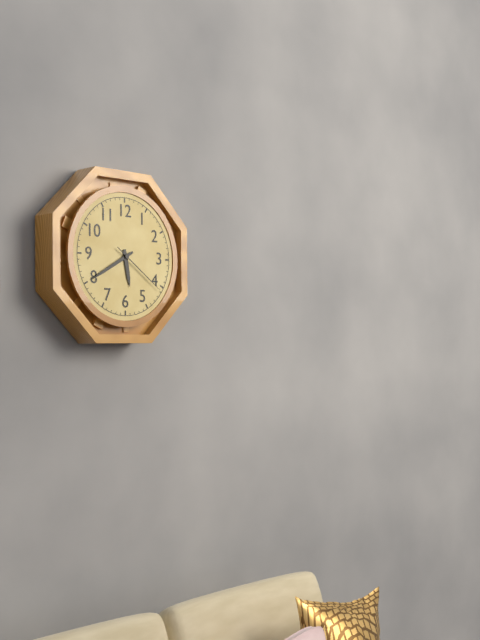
{"hour": 5, "minute": 40, "second": 21}
